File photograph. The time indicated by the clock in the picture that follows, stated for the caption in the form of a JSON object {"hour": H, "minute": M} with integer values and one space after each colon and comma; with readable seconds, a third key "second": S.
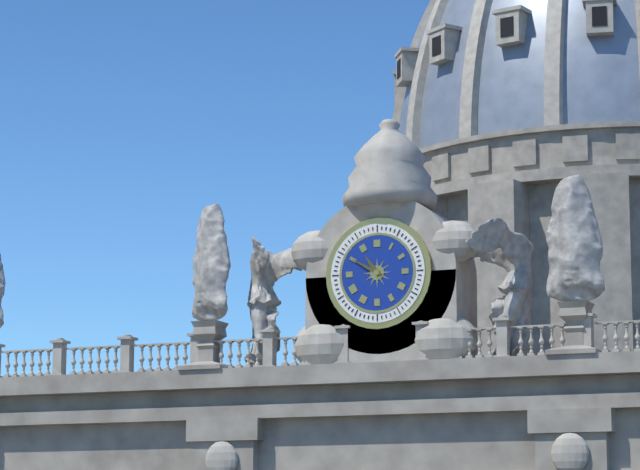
{"hour": 10, "minute": 50}
